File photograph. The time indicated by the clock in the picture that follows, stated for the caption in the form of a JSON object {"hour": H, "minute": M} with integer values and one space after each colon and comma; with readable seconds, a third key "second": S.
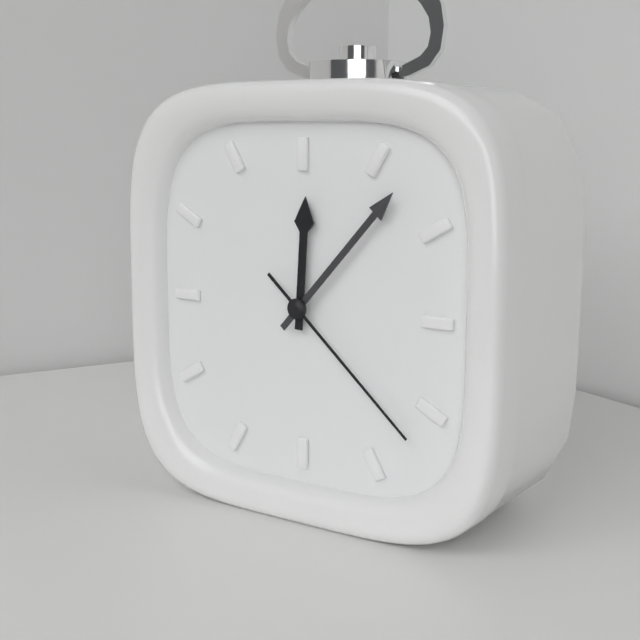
{"hour": 12, "minute": 7, "second": 22}
